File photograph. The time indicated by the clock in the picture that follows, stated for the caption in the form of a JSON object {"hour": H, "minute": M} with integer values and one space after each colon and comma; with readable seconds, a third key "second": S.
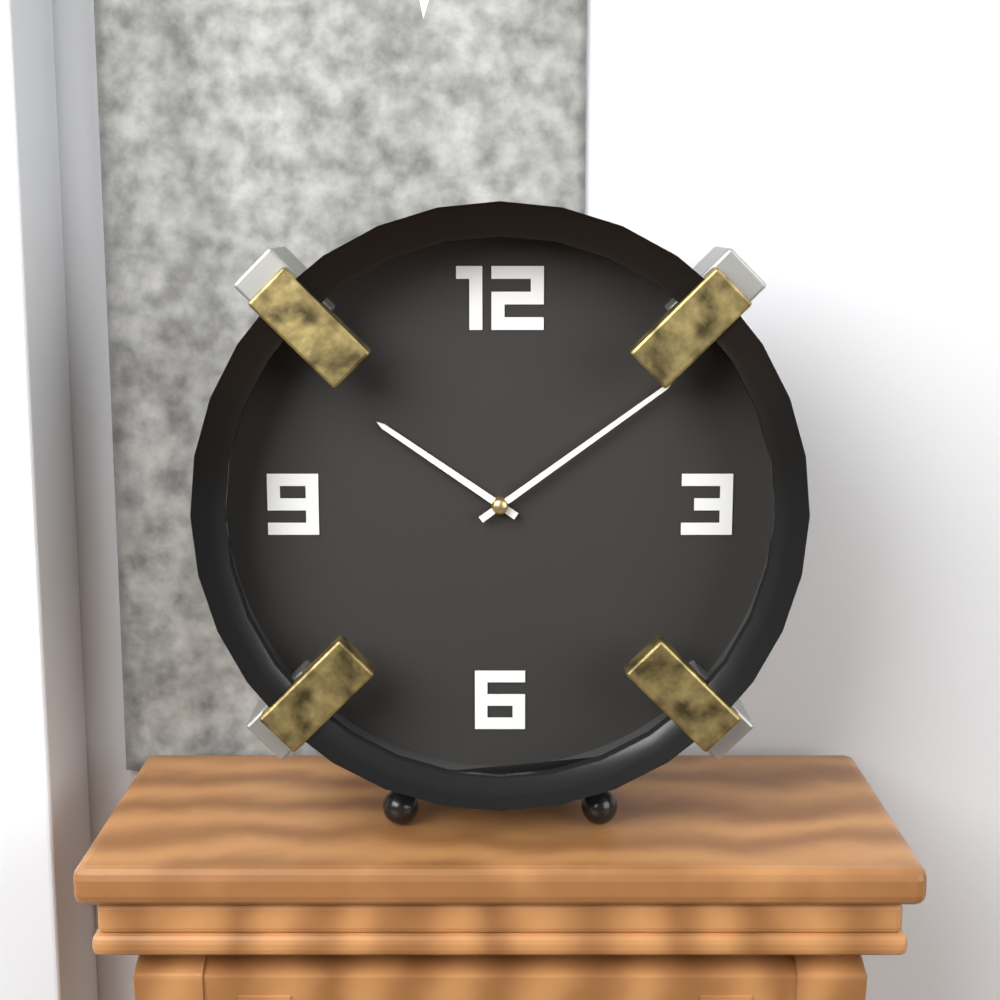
{"hour": 10, "minute": 9}
